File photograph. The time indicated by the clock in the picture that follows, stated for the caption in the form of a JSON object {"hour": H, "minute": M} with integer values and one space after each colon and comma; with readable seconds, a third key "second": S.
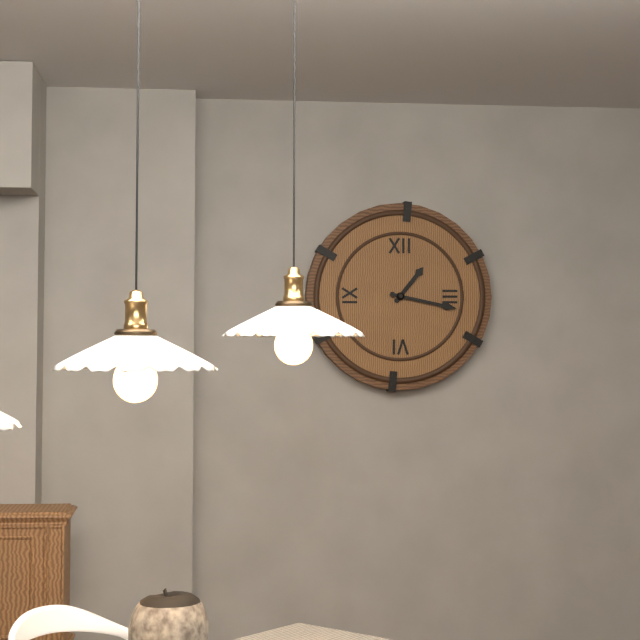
{"hour": 1, "minute": 17}
